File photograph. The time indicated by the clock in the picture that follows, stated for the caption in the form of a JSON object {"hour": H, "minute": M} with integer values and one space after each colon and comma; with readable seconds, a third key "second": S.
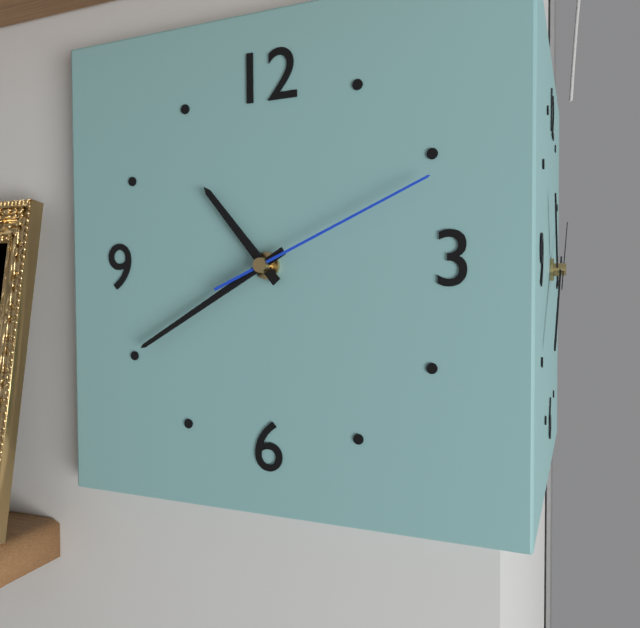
{"hour": 10, "minute": 40, "second": 11}
